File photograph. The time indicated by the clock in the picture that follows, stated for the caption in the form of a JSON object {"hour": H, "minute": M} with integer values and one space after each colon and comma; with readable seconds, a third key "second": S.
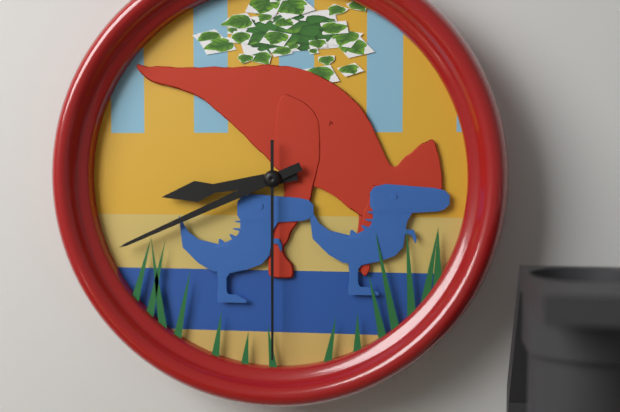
{"hour": 8, "minute": 41, "second": 30}
